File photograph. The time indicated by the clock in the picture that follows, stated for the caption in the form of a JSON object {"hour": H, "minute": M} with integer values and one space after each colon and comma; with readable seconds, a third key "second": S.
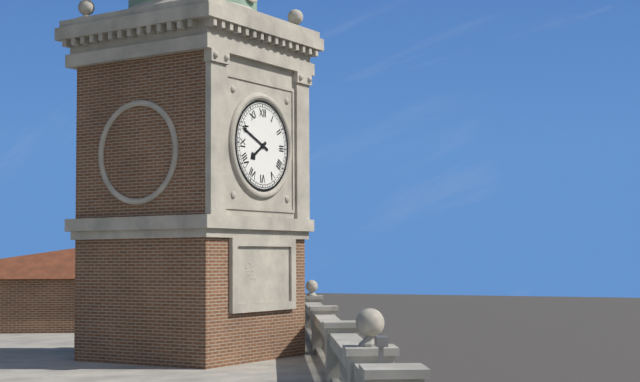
{"hour": 7, "minute": 49}
